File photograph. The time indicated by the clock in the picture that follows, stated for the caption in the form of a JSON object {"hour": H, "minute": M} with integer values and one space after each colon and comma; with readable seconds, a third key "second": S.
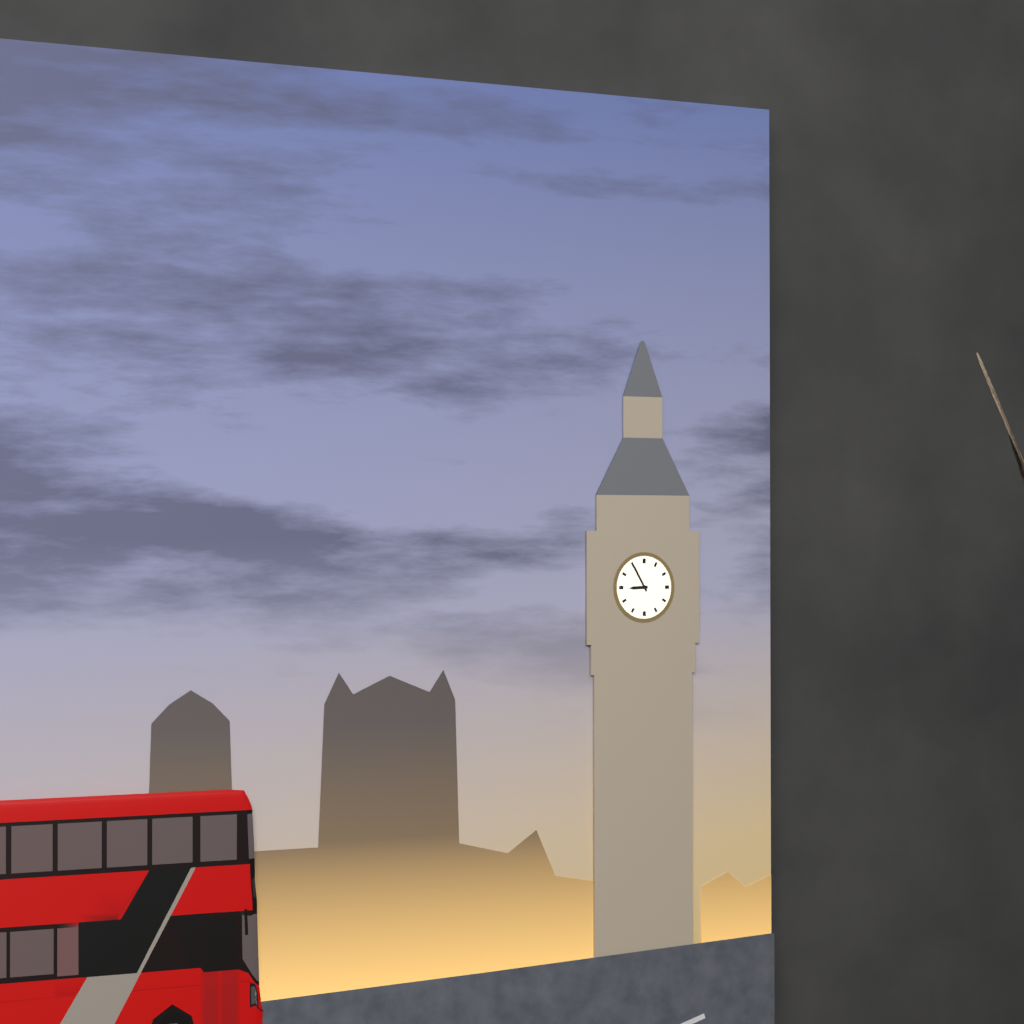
{"hour": 8, "minute": 55}
